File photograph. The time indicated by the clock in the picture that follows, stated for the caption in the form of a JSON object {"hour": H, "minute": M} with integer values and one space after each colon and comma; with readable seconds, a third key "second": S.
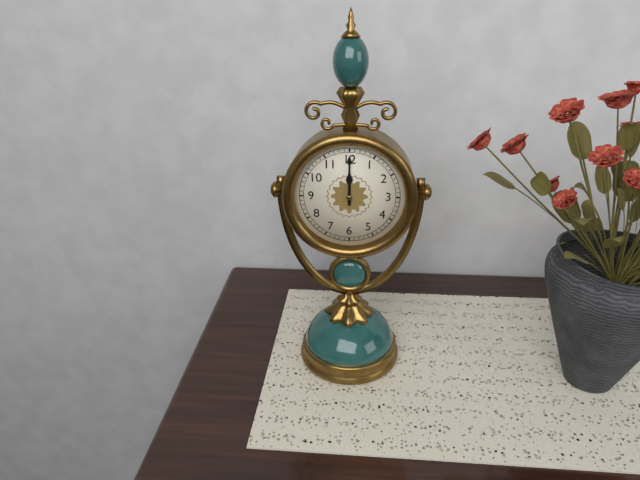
{"hour": 12, "minute": 0}
